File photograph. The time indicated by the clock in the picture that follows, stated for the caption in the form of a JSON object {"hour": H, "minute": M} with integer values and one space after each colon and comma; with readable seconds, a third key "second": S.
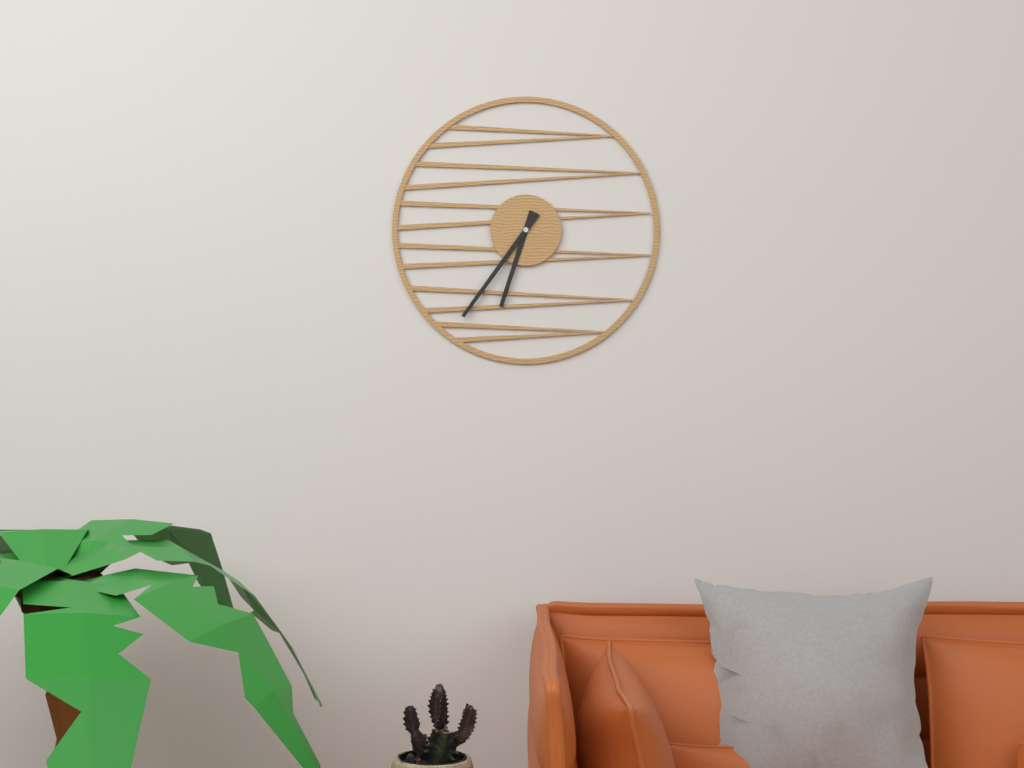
{"hour": 6, "minute": 36}
